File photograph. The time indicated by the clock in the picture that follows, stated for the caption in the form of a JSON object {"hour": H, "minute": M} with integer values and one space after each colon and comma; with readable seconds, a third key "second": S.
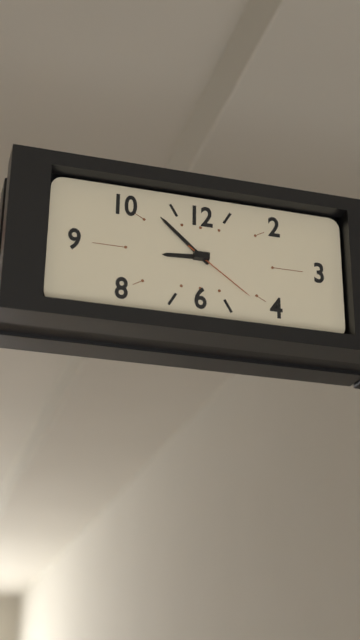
{"hour": 8, "minute": 52, "second": 21}
